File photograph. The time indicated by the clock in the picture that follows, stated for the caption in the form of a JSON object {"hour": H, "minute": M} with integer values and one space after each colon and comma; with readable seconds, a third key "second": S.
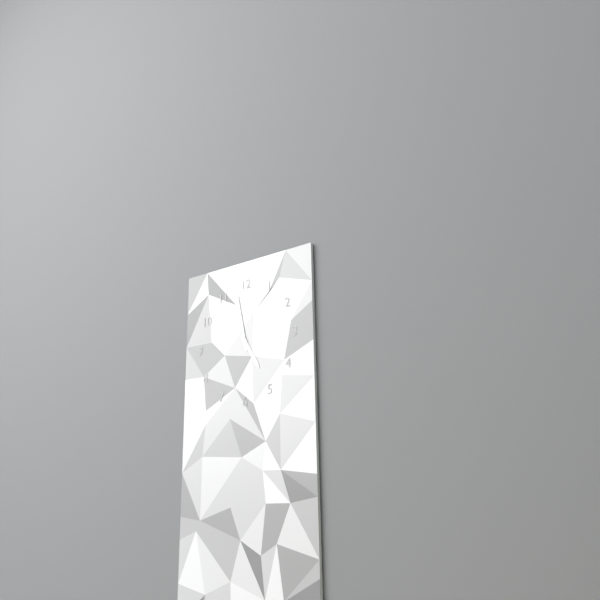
{"hour": 4, "minute": 58}
